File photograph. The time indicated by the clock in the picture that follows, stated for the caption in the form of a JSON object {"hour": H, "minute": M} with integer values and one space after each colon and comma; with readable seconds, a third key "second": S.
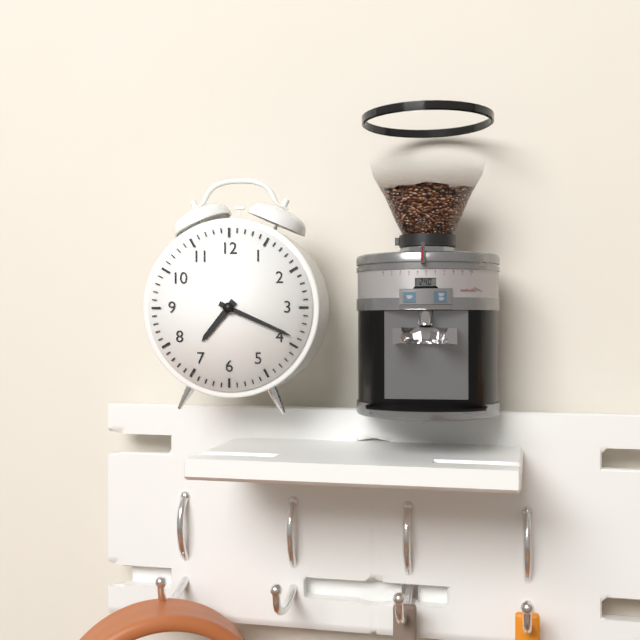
{"hour": 7, "minute": 19}
